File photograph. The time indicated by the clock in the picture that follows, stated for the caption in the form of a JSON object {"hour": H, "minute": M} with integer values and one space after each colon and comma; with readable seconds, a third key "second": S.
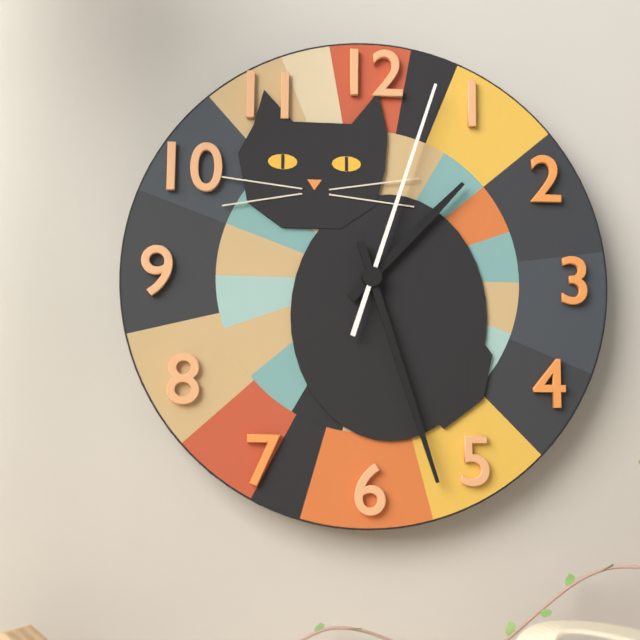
{"hour": 1, "minute": 27, "second": 3}
